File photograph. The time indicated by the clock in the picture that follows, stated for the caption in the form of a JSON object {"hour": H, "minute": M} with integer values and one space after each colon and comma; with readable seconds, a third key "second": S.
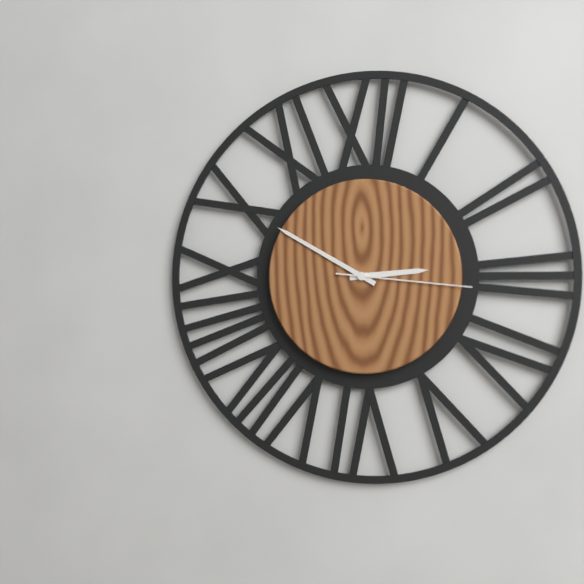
{"hour": 2, "minute": 50, "second": 16}
